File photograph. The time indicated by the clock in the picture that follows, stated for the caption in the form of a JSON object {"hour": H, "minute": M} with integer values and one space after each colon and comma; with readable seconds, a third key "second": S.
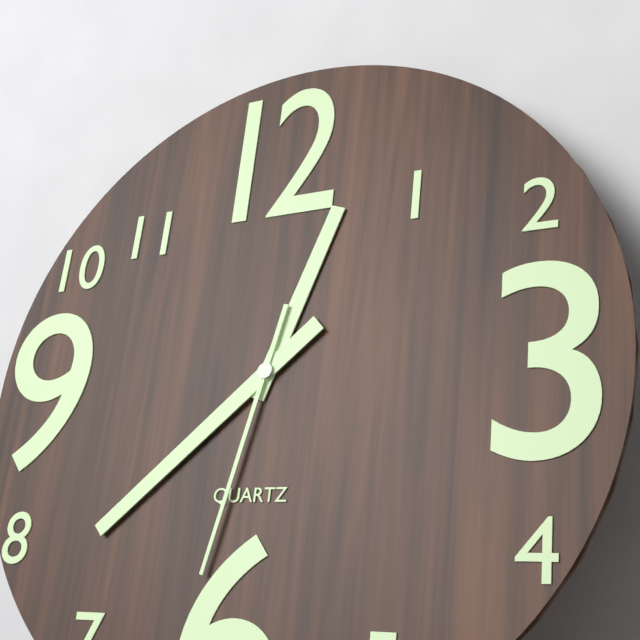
{"hour": 12, "minute": 38, "second": 32}
